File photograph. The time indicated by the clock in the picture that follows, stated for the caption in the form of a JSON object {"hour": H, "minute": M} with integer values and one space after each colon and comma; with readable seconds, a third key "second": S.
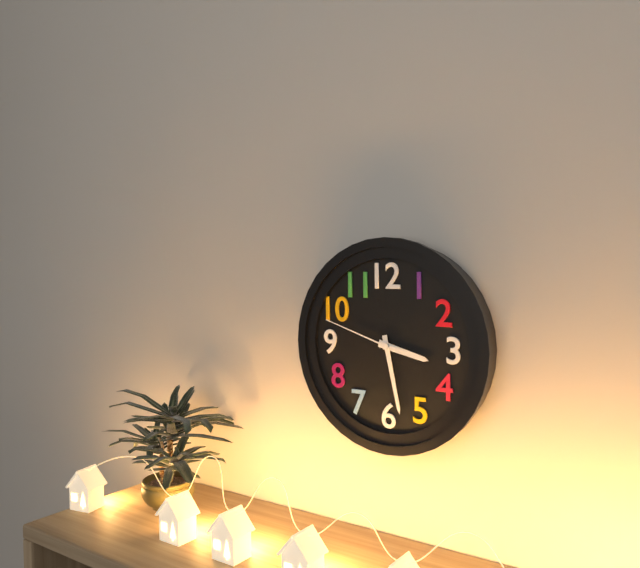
{"hour": 3, "minute": 28, "second": 48}
